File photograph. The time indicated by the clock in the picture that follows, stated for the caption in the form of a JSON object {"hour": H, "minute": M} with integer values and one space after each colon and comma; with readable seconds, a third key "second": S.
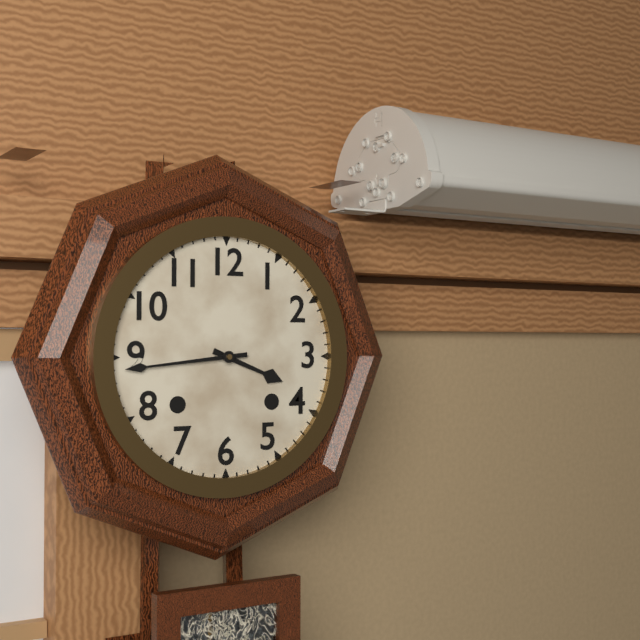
{"hour": 3, "minute": 44}
